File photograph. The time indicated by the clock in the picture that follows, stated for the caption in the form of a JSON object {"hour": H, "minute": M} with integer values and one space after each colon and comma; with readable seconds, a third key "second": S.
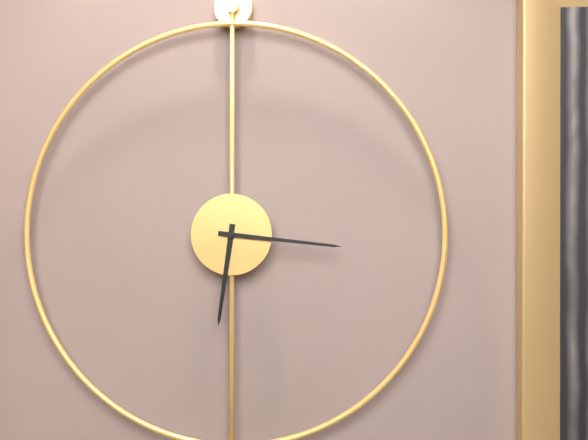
{"hour": 6, "minute": 16}
